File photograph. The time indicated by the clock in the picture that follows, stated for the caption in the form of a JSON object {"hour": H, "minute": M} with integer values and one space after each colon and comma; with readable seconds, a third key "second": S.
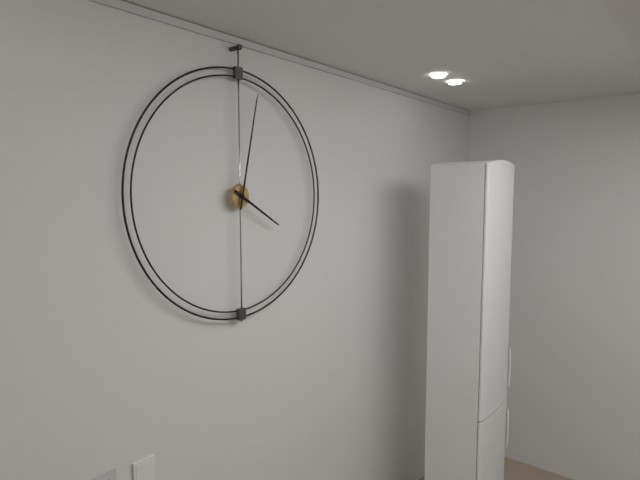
{"hour": 4, "minute": 2}
